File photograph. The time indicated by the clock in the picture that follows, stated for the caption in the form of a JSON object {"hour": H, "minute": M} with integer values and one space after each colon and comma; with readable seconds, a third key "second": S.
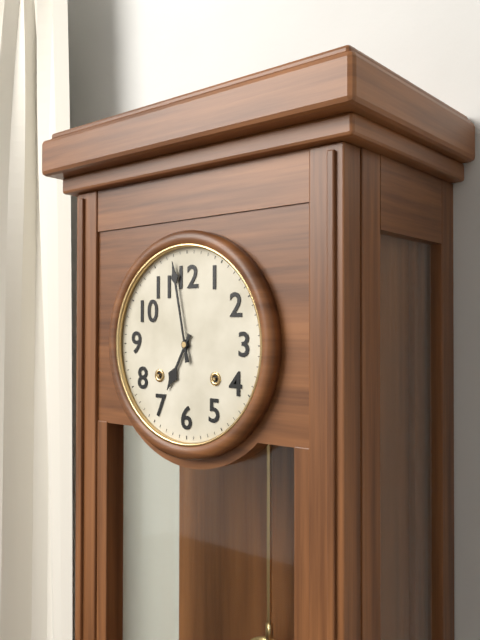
{"hour": 6, "minute": 58}
